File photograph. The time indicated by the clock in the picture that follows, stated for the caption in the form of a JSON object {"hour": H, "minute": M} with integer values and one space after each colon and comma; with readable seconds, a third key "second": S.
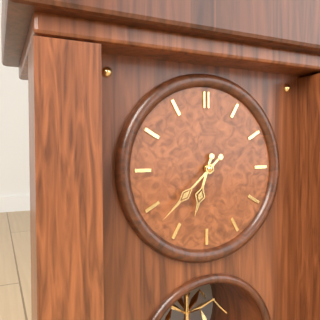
{"hour": 6, "minute": 38}
